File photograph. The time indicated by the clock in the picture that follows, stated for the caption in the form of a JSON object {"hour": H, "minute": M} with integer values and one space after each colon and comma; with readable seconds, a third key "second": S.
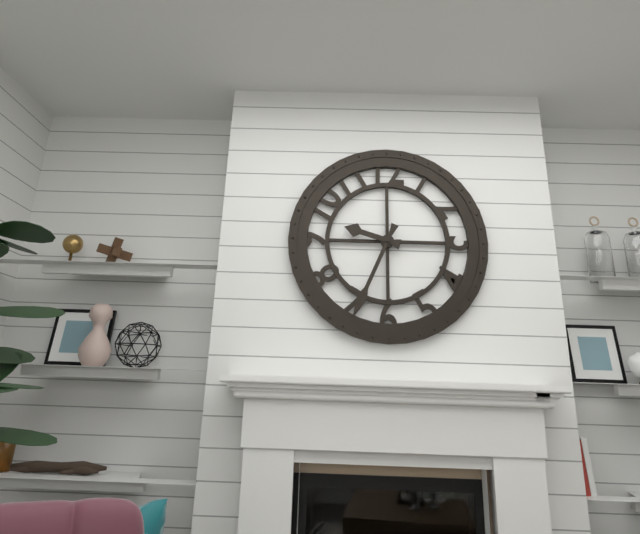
{"hour": 9, "minute": 34}
